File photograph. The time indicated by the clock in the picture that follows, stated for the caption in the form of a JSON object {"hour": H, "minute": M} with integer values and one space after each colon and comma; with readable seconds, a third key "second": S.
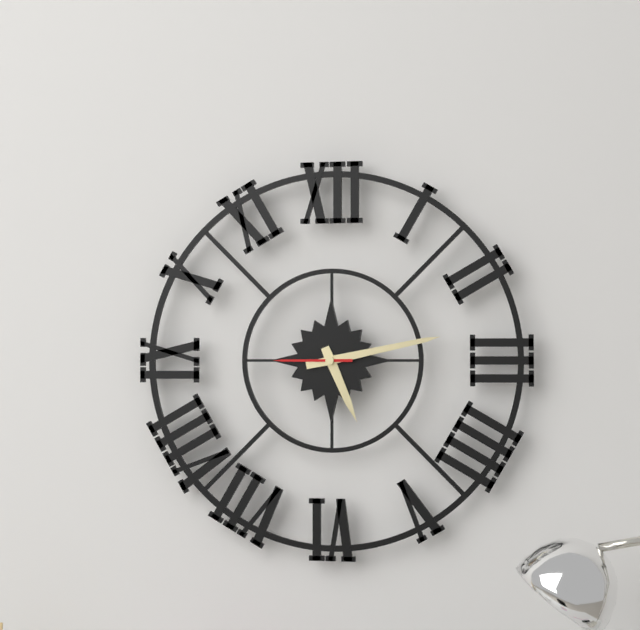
{"hour": 5, "minute": 13, "second": 45}
